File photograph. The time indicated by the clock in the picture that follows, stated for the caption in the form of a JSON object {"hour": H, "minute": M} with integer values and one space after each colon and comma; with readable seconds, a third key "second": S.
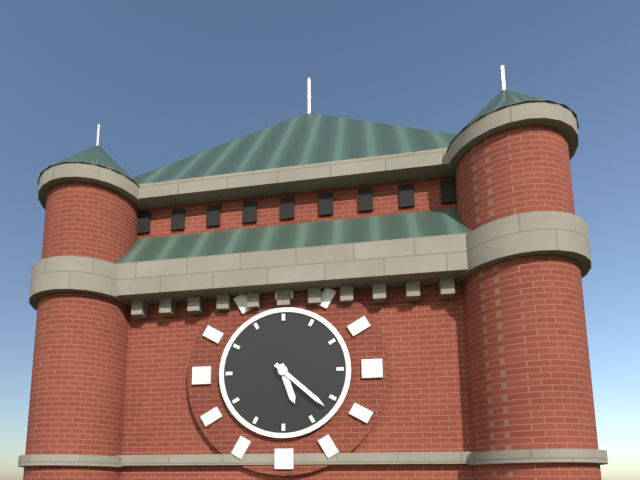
{"hour": 5, "minute": 22}
